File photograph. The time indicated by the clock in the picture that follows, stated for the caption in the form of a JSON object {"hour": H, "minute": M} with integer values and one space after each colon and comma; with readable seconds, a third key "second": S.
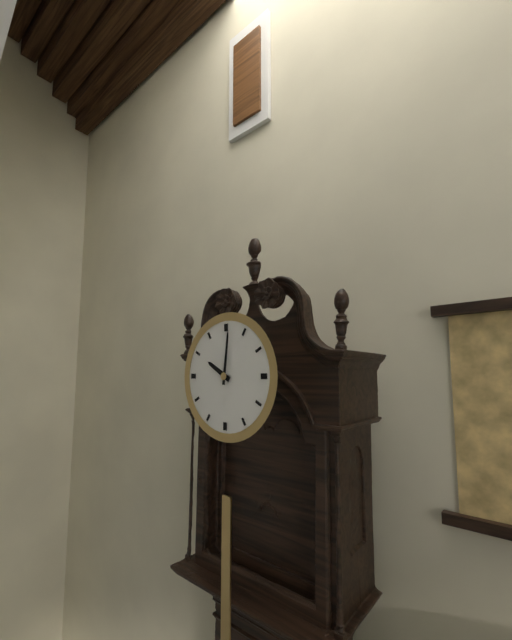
{"hour": 10, "minute": 1}
